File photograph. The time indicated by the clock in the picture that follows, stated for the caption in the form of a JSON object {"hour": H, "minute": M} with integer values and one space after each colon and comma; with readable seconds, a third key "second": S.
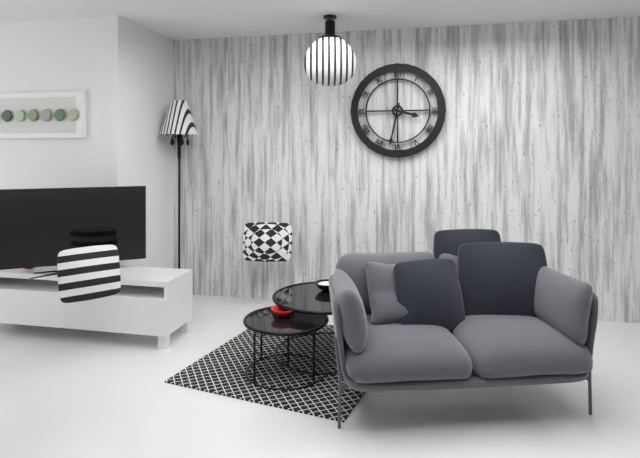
{"hour": 3, "minute": 32}
